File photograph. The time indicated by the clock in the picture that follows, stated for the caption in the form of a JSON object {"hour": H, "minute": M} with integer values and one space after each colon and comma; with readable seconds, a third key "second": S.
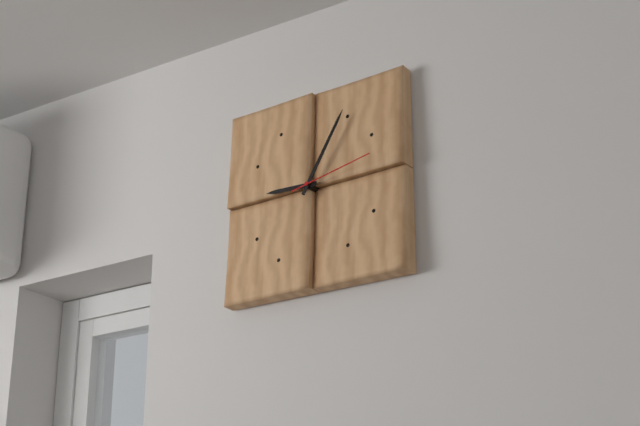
{"hour": 9, "minute": 5, "second": 13}
